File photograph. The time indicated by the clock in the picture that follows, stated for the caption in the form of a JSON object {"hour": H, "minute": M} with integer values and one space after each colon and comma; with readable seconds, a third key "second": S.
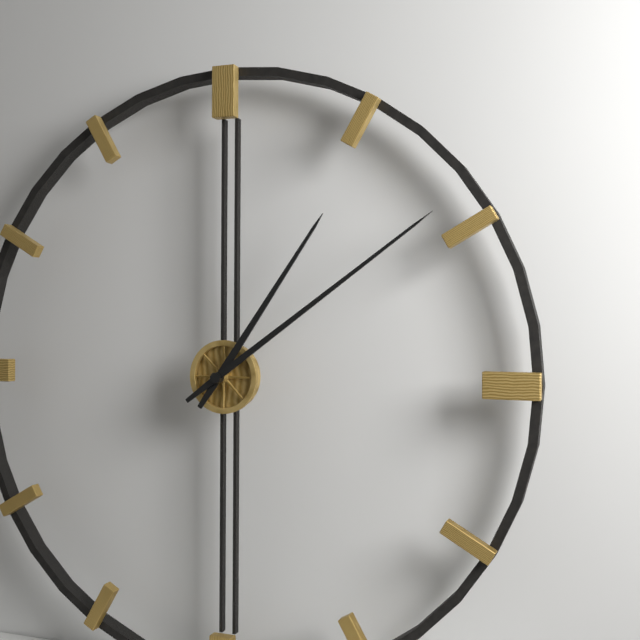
{"hour": 1, "minute": 9}
